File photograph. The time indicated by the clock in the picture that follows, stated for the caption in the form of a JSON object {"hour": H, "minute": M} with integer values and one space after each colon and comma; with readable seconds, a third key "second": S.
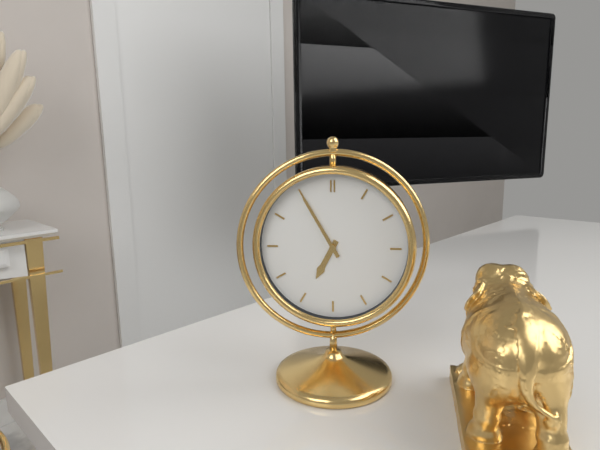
{"hour": 6, "minute": 55}
